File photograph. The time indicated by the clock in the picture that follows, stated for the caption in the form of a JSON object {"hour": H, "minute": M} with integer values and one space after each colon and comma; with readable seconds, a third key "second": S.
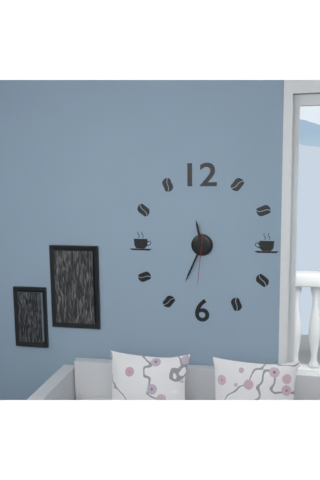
{"hour": 11, "minute": 34, "second": 31}
